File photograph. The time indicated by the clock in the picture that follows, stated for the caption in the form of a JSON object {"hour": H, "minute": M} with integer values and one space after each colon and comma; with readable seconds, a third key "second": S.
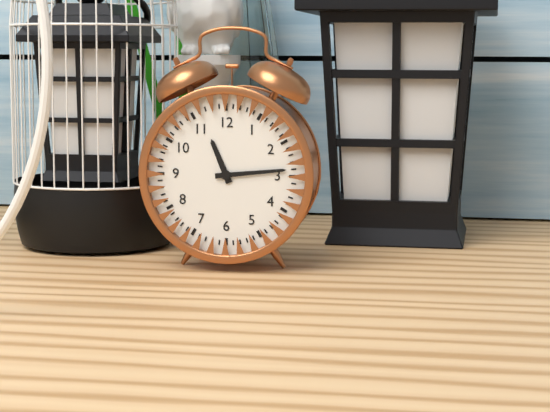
{"hour": 11, "minute": 14}
